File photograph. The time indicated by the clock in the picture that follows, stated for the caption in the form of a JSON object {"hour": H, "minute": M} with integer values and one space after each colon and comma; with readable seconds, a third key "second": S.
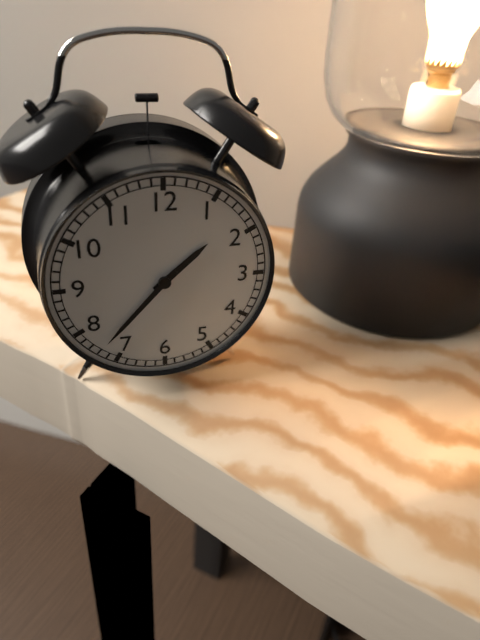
{"hour": 1, "minute": 37}
